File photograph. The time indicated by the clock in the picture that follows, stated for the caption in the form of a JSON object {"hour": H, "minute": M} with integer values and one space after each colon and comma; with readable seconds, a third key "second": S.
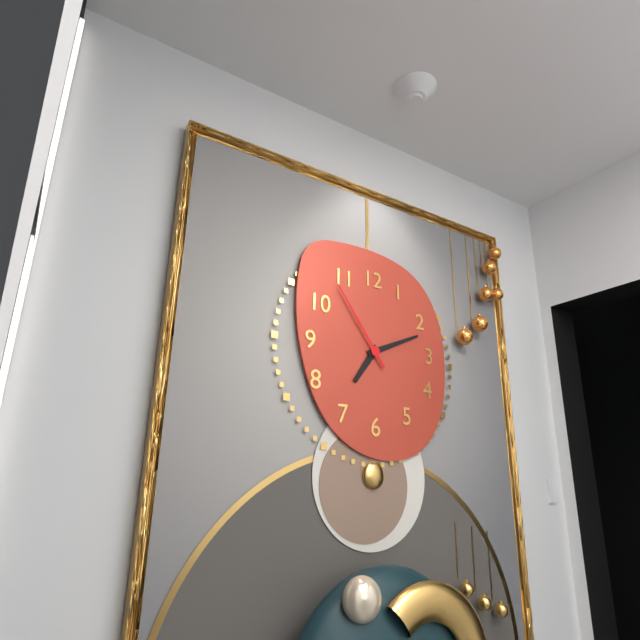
{"hour": 7, "minute": 11, "second": 54}
